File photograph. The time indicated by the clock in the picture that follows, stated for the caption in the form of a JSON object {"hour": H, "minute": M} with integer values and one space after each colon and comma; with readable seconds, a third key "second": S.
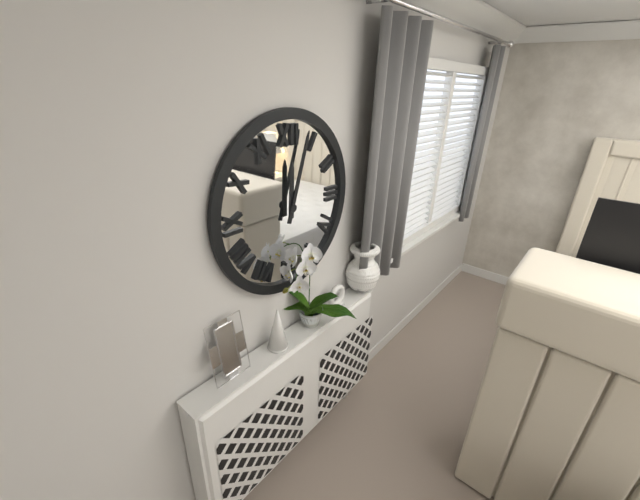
{"hour": 12, "minute": 3}
